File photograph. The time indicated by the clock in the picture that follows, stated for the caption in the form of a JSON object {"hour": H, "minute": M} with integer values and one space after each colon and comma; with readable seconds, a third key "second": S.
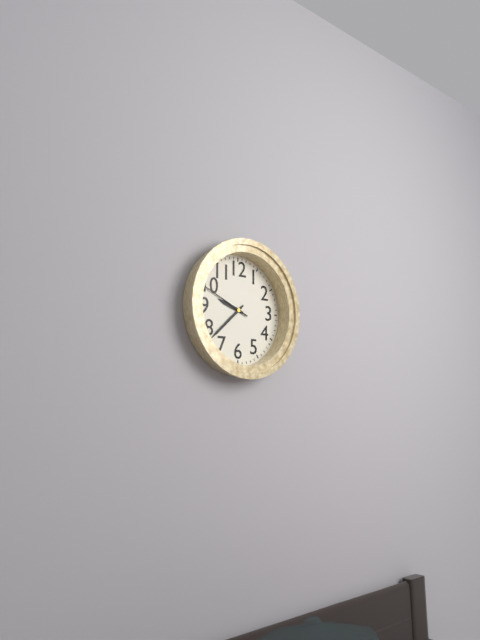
{"hour": 9, "minute": 38, "second": 49}
